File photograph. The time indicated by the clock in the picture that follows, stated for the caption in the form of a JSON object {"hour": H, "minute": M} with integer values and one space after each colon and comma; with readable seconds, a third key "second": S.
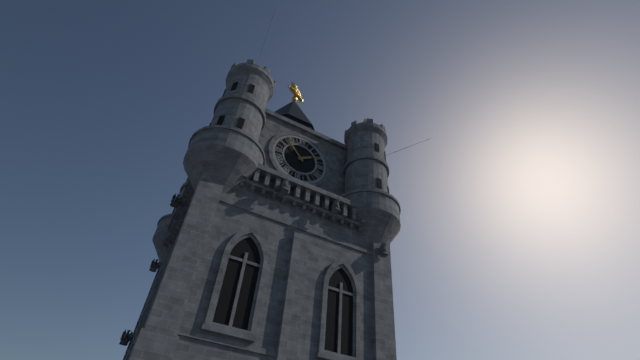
{"hour": 1, "minute": 53}
